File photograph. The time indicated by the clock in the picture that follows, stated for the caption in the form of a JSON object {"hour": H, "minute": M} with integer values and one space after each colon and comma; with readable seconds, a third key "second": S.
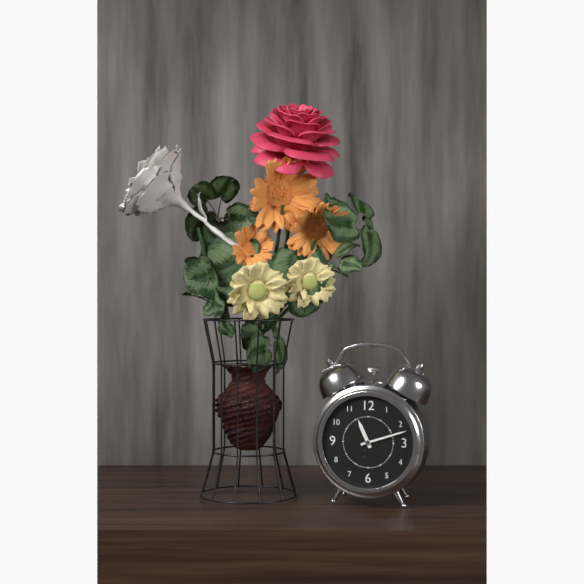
{"hour": 11, "minute": 12}
